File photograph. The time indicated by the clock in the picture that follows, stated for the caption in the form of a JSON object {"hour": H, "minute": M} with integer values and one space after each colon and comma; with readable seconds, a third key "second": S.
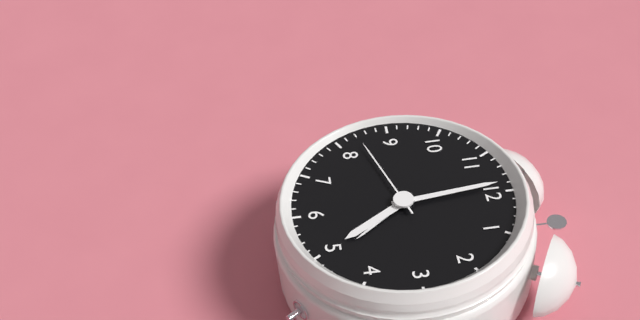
{"hour": 4, "minute": 59, "second": 42}
